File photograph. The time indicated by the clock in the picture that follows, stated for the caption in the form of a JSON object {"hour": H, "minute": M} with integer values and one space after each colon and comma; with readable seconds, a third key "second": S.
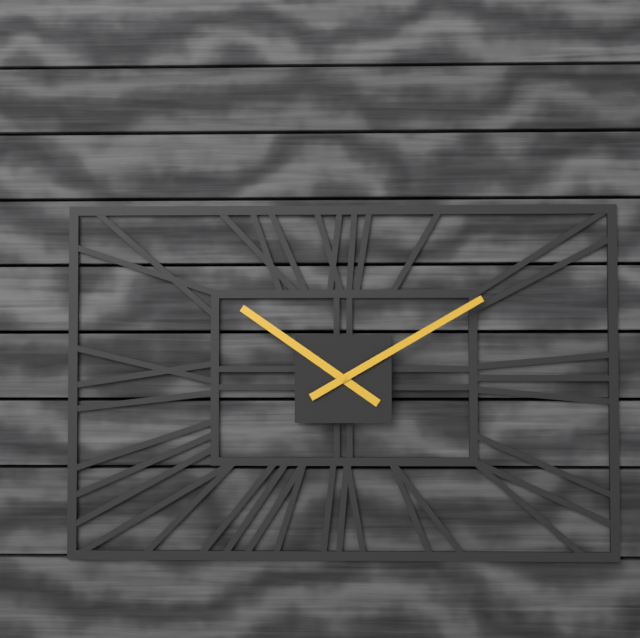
{"hour": 10, "minute": 10}
